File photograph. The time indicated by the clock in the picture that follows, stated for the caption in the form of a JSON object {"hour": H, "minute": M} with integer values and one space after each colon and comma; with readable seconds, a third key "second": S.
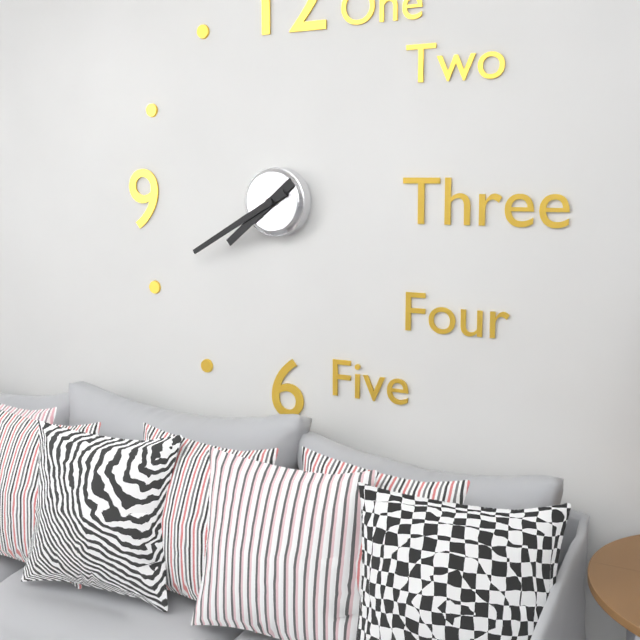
{"hour": 7, "minute": 40}
